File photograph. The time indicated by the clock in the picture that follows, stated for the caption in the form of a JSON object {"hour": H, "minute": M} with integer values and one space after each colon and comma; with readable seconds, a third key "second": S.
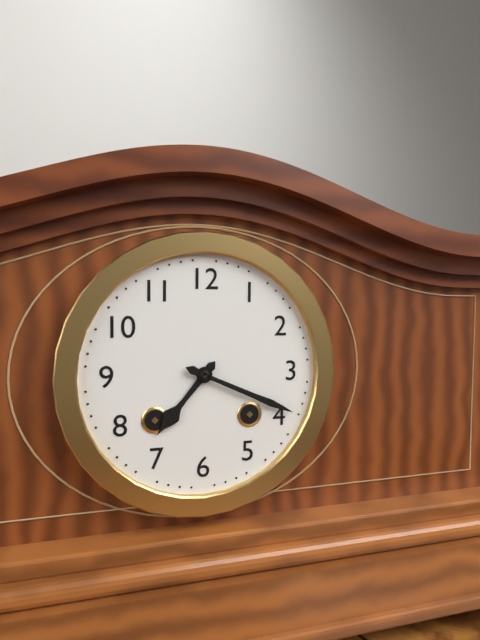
{"hour": 7, "minute": 19}
